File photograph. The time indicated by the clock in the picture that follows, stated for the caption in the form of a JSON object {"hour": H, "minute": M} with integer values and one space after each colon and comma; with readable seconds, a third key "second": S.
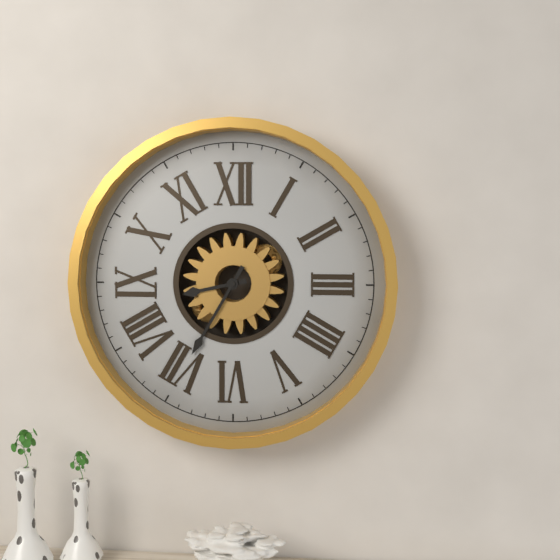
{"hour": 8, "minute": 35}
